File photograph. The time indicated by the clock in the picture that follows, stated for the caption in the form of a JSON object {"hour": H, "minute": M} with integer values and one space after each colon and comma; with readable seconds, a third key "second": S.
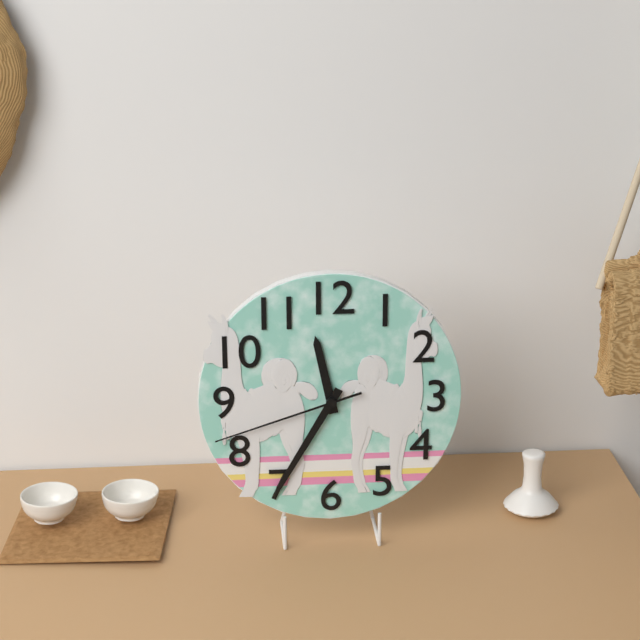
{"hour": 11, "minute": 35, "second": 42}
